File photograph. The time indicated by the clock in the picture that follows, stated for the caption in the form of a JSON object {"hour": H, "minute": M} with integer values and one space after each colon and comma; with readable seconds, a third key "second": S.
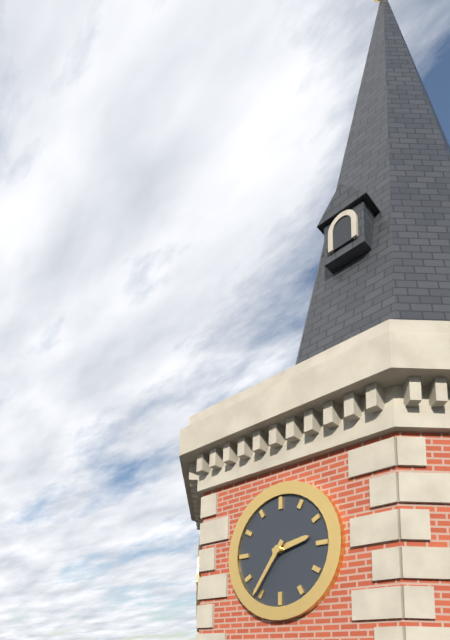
{"hour": 2, "minute": 36}
